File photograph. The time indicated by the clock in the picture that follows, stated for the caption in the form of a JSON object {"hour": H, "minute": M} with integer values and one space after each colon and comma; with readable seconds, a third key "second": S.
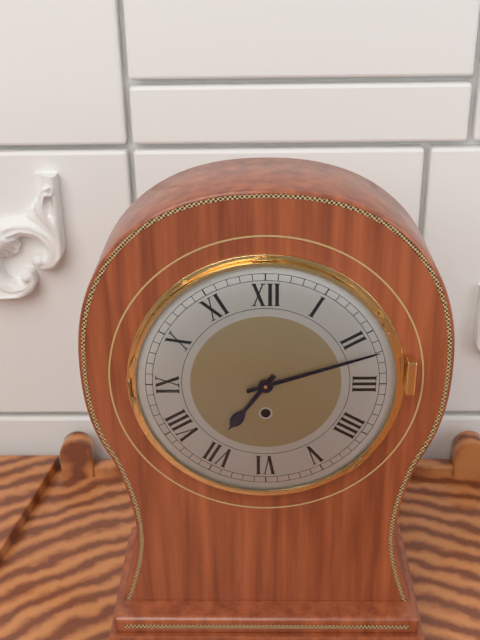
{"hour": 7, "minute": 12}
